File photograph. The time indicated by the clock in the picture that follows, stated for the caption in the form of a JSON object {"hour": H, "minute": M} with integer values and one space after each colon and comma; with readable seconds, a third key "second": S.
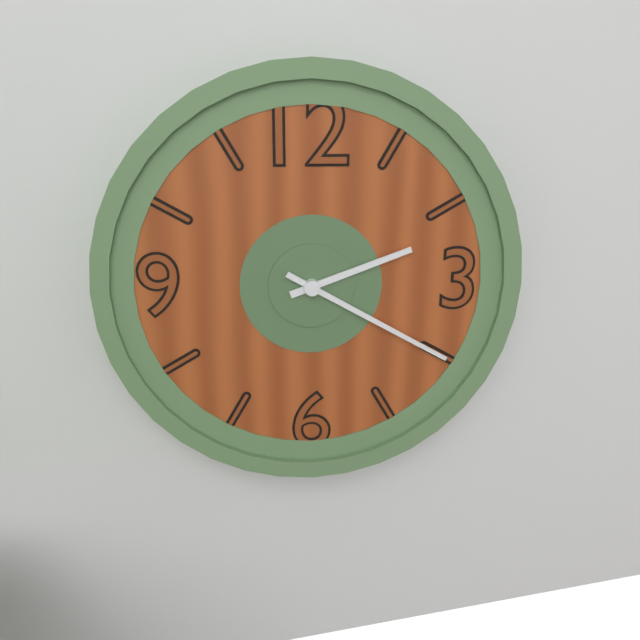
{"hour": 2, "minute": 20}
